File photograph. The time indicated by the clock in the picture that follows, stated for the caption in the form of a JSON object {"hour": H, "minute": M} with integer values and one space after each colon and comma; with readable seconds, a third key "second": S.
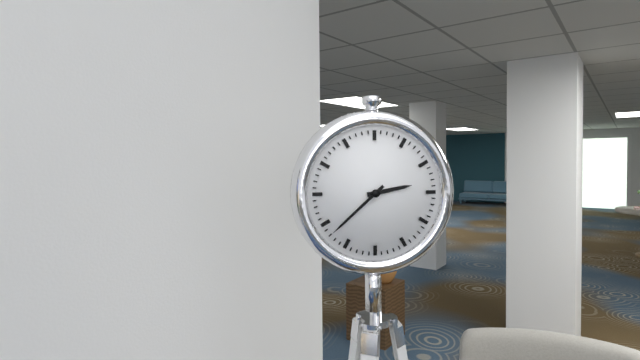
{"hour": 2, "minute": 38}
